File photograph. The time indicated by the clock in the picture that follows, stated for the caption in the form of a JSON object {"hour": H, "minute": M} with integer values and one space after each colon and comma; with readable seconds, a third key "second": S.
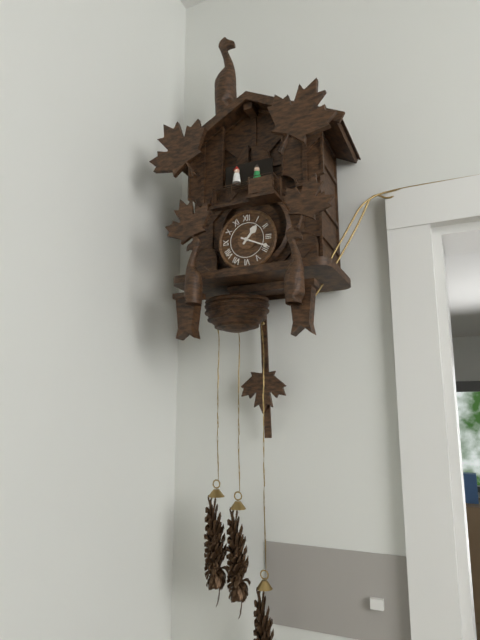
{"hour": 1, "minute": 19}
